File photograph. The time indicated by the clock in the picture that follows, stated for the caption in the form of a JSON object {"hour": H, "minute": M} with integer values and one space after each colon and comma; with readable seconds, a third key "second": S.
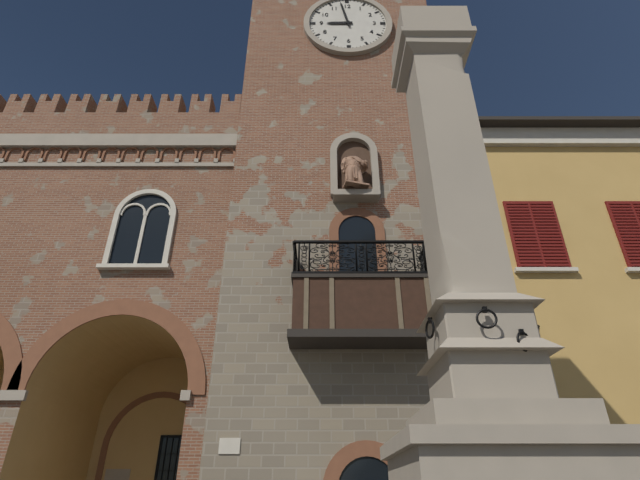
{"hour": 8, "minute": 58}
